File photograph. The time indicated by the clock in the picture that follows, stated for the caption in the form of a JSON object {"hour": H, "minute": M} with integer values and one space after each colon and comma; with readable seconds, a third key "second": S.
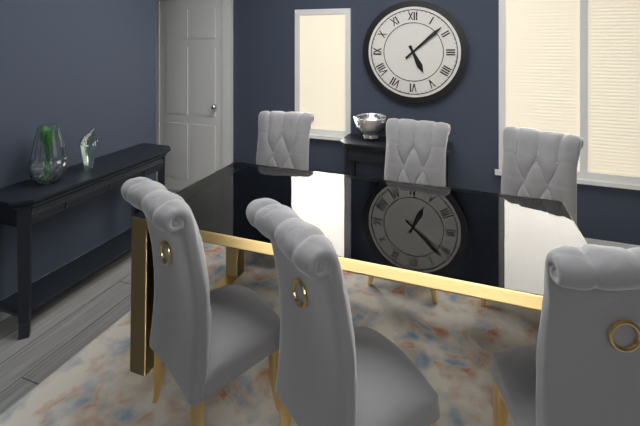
{"hour": 5, "minute": 8}
